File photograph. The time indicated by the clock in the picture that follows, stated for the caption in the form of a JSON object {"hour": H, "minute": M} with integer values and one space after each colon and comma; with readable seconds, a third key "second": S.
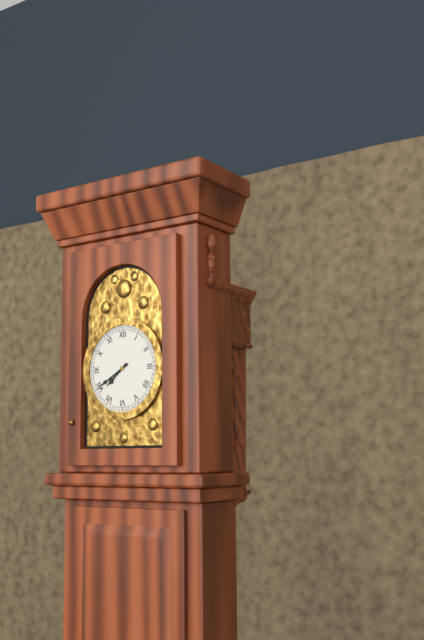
{"hour": 7, "minute": 40}
